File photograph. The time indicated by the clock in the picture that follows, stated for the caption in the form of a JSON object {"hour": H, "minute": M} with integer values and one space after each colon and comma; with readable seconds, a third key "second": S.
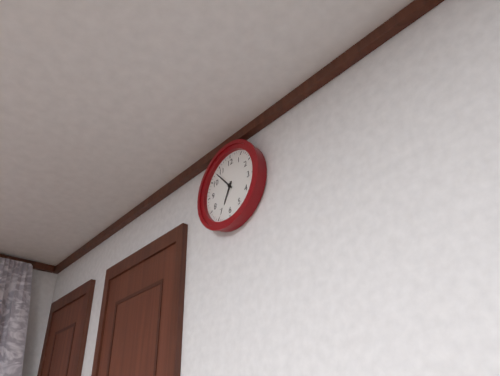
{"hour": 6, "minute": 53}
